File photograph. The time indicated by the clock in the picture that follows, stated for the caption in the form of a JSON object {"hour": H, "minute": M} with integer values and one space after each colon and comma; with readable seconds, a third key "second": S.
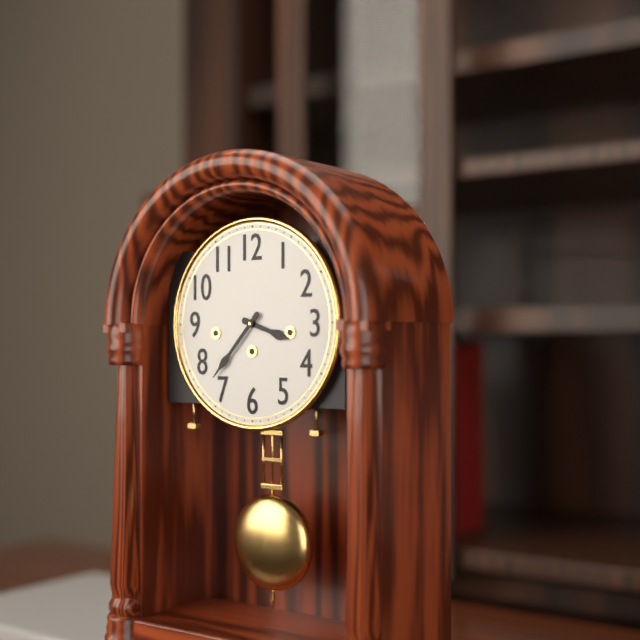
{"hour": 3, "minute": 37}
